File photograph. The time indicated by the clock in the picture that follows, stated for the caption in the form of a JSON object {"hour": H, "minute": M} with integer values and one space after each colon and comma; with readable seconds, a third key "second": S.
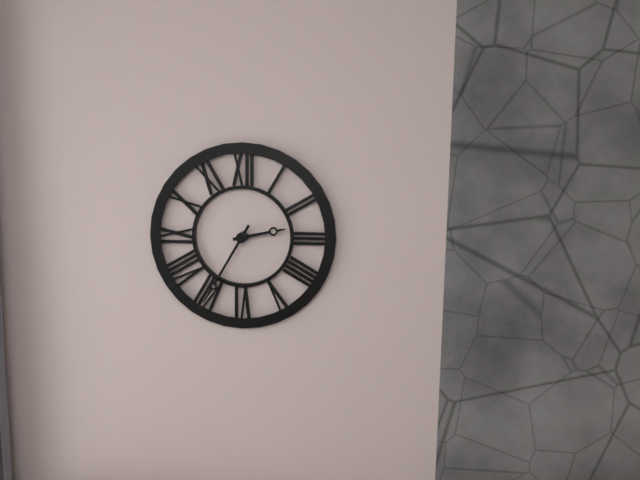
{"hour": 2, "minute": 35}
